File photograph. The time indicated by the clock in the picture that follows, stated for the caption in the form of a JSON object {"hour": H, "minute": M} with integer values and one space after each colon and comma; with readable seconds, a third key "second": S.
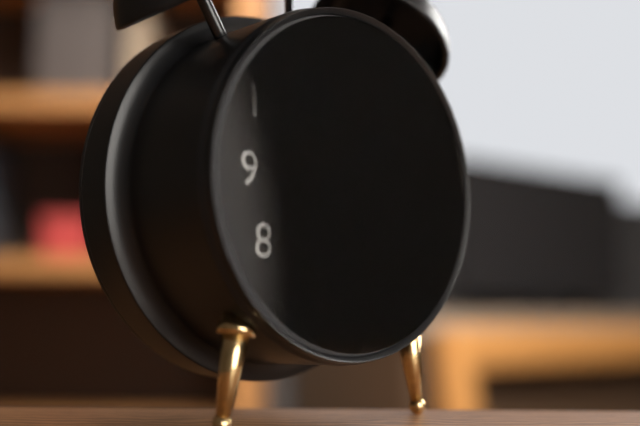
{"hour": 2, "minute": 9}
